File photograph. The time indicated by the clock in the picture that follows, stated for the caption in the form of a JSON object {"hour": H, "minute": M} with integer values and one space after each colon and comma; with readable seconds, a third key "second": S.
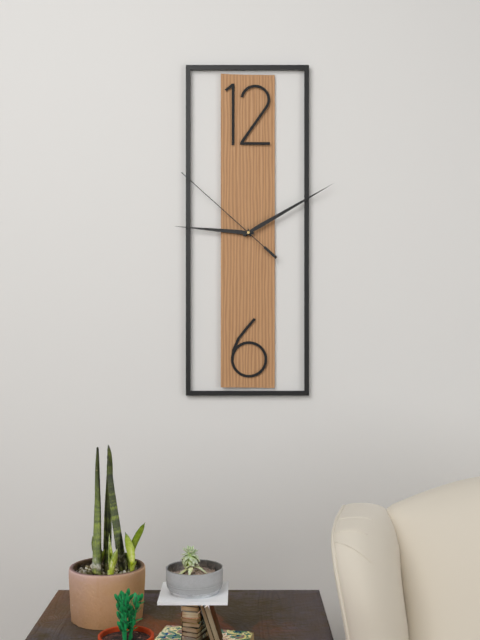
{"hour": 9, "minute": 10, "second": 52}
